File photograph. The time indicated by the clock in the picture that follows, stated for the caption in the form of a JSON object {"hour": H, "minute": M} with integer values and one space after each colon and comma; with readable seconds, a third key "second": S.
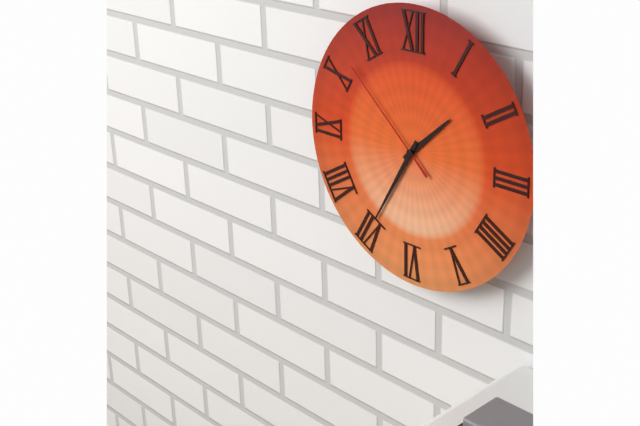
{"hour": 1, "minute": 35, "second": 52}
